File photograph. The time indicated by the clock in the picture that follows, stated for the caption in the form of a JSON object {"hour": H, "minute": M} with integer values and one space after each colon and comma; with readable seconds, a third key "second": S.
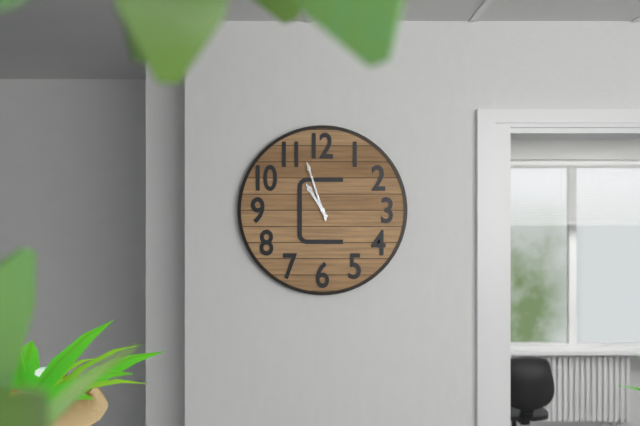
{"hour": 10, "minute": 57}
